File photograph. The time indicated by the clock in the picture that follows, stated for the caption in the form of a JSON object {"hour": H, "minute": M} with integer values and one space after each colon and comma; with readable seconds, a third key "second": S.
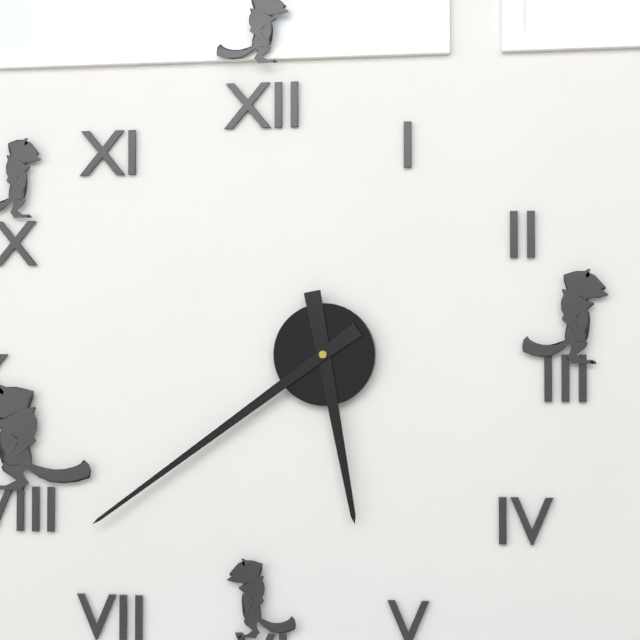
{"hour": 5, "minute": 39}
